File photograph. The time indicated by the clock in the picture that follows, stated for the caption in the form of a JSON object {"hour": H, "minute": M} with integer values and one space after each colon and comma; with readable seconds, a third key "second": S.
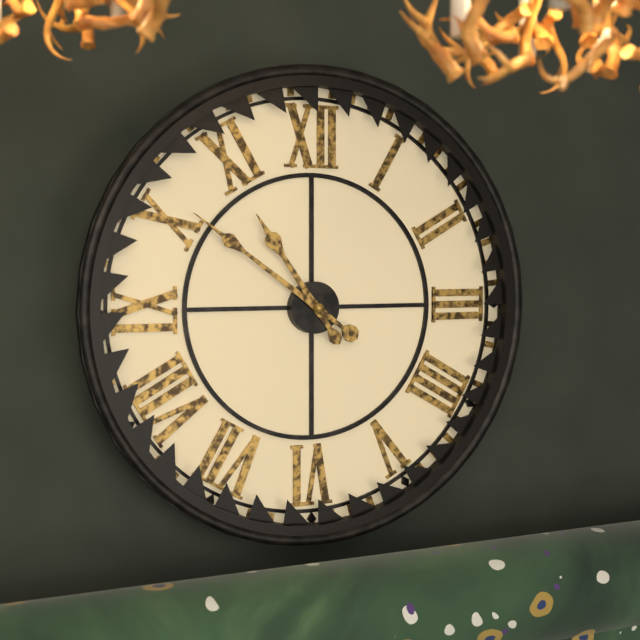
{"hour": 10, "minute": 51}
